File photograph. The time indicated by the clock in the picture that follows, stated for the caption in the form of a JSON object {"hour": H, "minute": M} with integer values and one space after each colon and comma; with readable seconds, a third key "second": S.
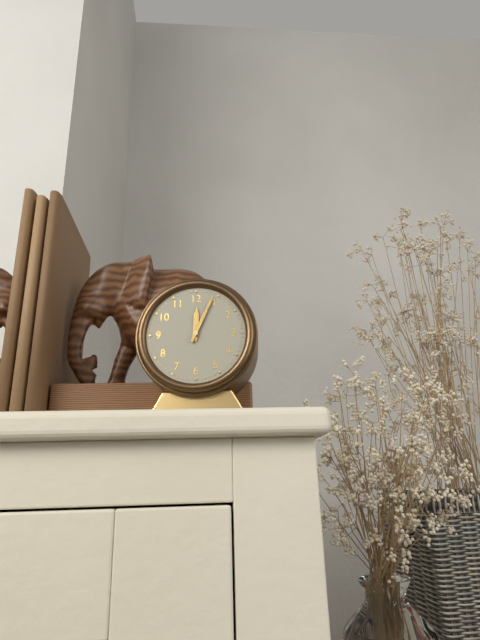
{"hour": 12, "minute": 4}
